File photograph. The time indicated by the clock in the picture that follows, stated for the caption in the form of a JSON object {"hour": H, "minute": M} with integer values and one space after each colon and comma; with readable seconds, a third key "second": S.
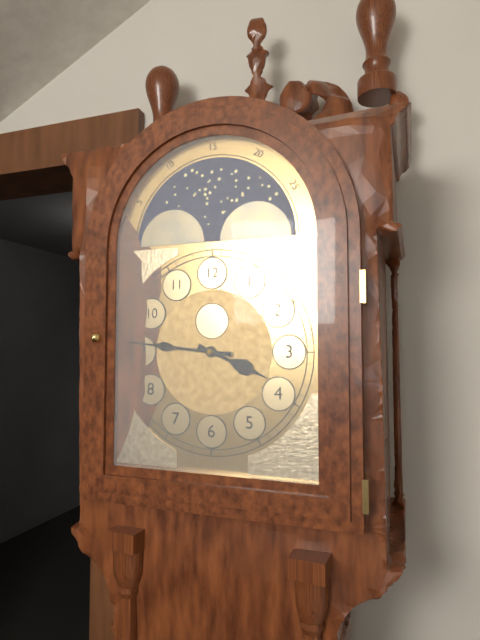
{"hour": 3, "minute": 46}
